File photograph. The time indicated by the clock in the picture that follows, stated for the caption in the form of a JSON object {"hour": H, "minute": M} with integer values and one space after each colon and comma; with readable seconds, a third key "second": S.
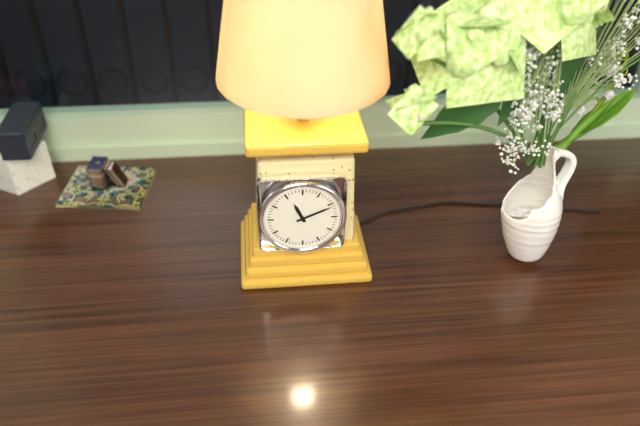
{"hour": 11, "minute": 11}
